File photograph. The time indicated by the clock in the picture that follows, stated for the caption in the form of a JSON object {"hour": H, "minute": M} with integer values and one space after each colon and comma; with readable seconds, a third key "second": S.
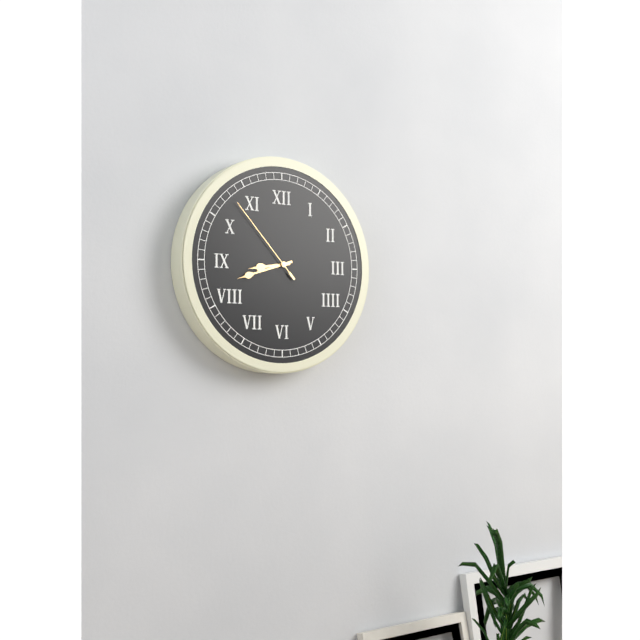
{"hour": 8, "minute": 42, "second": 53}
